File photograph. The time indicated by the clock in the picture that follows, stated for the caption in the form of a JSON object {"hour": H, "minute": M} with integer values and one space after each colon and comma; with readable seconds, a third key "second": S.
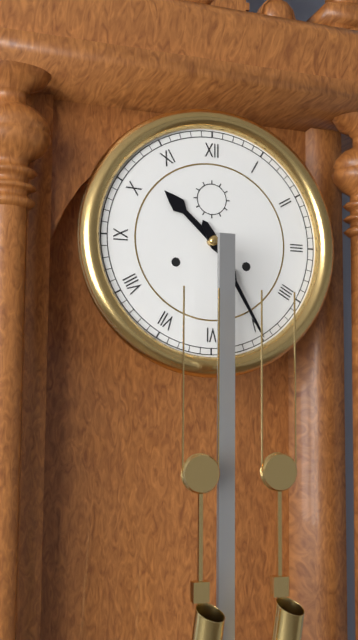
{"hour": 10, "minute": 25}
